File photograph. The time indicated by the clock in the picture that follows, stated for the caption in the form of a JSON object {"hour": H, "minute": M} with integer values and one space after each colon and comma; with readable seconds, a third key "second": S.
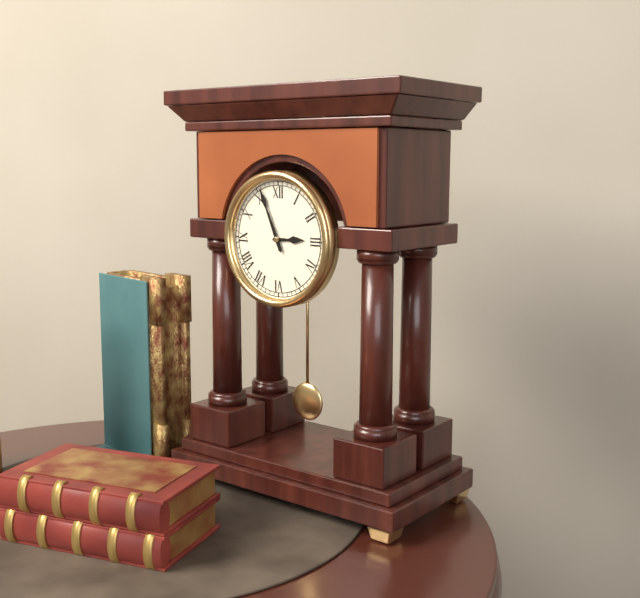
{"hour": 2, "minute": 56}
